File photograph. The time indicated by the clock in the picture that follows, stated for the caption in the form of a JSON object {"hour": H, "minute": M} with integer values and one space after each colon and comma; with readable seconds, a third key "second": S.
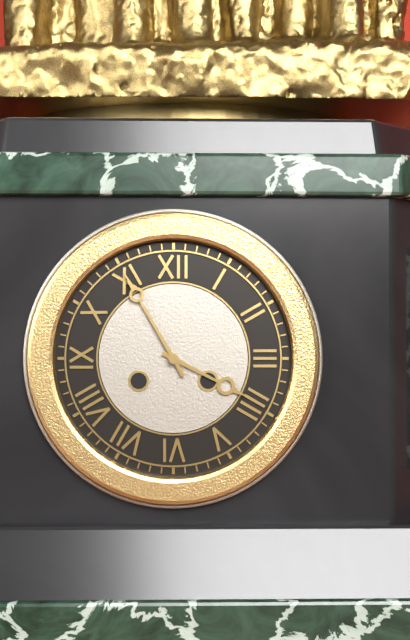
{"hour": 3, "minute": 55}
